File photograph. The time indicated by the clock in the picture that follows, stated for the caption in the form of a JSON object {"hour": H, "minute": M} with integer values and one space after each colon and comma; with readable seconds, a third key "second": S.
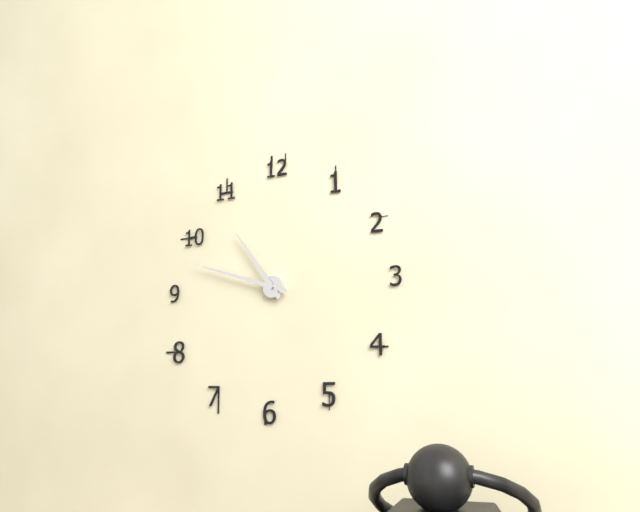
{"hour": 10, "minute": 48}
